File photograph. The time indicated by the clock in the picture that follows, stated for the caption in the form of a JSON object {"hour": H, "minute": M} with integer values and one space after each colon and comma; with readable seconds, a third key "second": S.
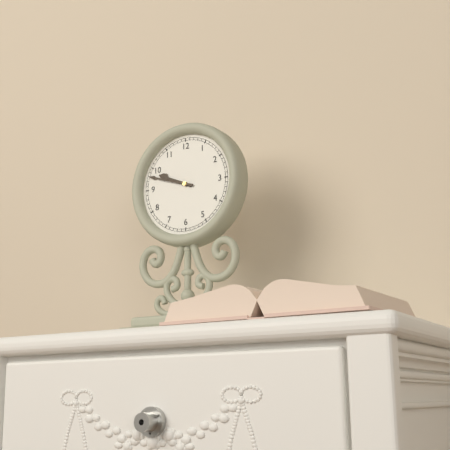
{"hour": 9, "minute": 48}
